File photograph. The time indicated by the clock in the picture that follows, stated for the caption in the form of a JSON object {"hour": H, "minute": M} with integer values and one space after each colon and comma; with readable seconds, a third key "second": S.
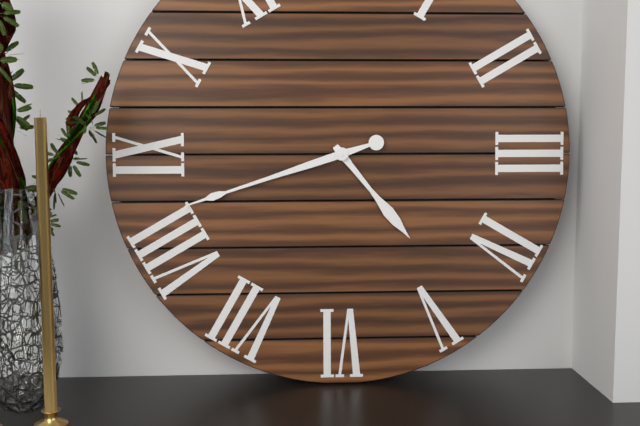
{"hour": 4, "minute": 42}
